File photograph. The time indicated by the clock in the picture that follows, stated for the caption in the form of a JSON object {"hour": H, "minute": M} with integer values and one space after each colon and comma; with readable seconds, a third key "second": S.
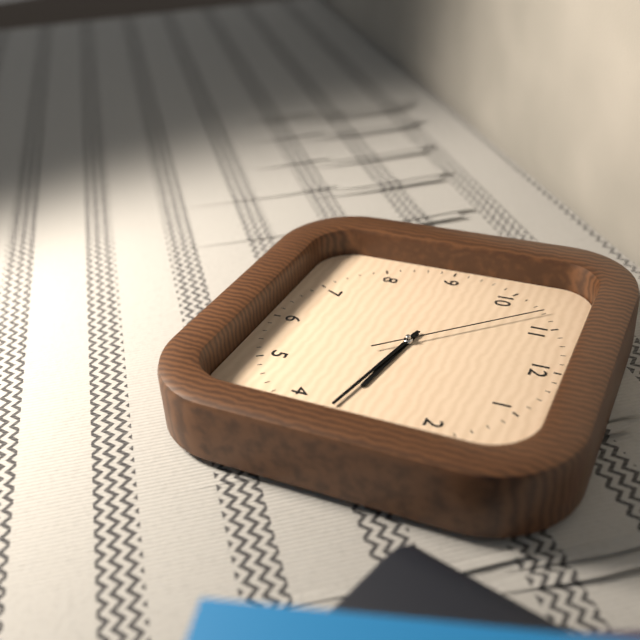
{"hour": 3, "minute": 17, "second": 53}
